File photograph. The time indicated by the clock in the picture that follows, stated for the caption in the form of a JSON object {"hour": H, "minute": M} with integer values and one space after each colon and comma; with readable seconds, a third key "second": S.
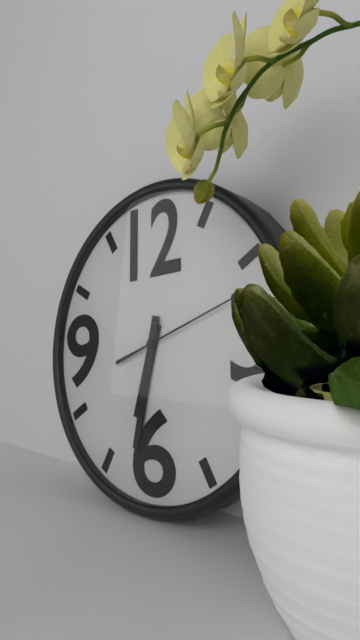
{"hour": 6, "minute": 32, "second": 12}
